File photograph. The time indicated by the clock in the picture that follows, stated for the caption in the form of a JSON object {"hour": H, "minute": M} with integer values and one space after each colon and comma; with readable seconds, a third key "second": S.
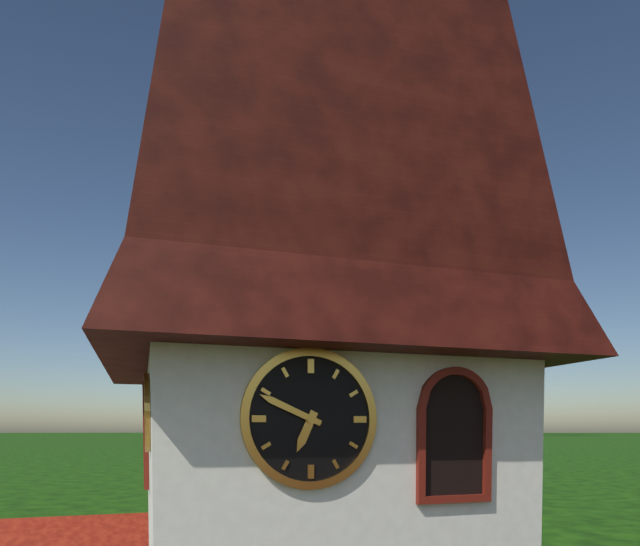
{"hour": 6, "minute": 49}
